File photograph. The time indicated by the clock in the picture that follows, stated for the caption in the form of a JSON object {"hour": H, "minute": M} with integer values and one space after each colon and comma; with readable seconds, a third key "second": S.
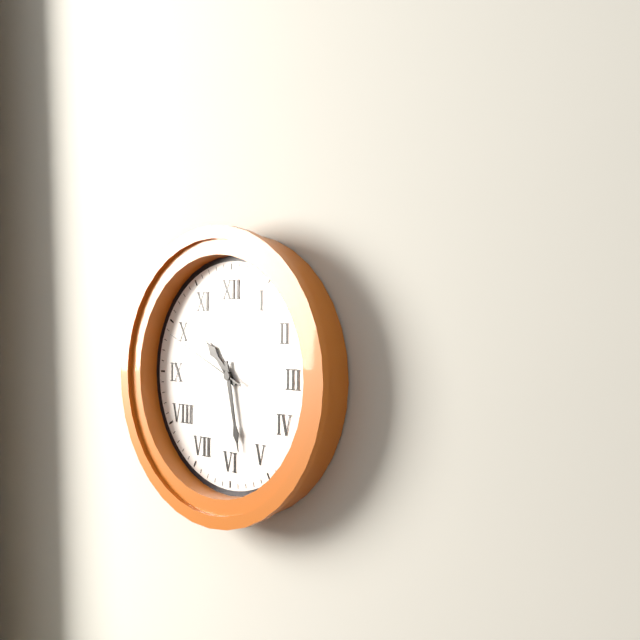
{"hour": 10, "minute": 28, "second": 49}
